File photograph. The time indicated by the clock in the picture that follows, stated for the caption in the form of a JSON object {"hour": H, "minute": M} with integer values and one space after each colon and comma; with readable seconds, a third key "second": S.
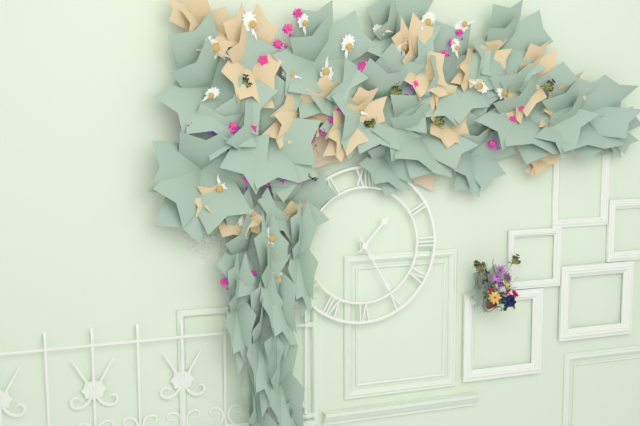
{"hour": 1, "minute": 25}
